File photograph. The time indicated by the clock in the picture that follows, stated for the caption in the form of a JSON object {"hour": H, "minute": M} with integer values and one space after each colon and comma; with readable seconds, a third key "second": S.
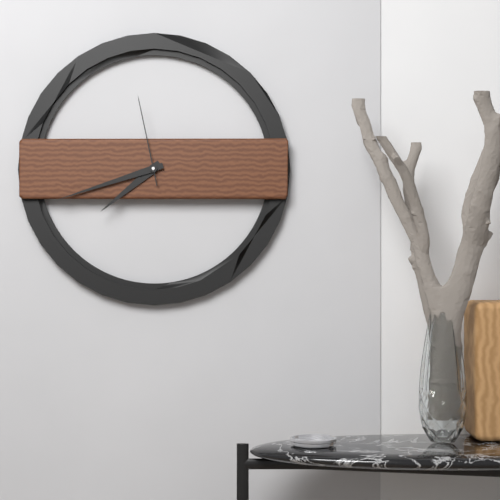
{"hour": 7, "minute": 42, "second": 58}
